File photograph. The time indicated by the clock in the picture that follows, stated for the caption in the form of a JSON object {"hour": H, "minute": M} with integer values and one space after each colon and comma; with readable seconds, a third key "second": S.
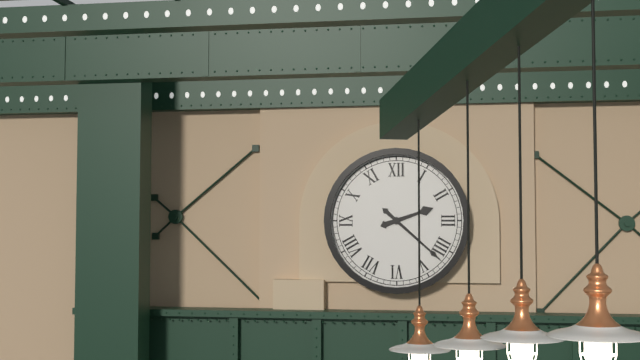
{"hour": 2, "minute": 22}
